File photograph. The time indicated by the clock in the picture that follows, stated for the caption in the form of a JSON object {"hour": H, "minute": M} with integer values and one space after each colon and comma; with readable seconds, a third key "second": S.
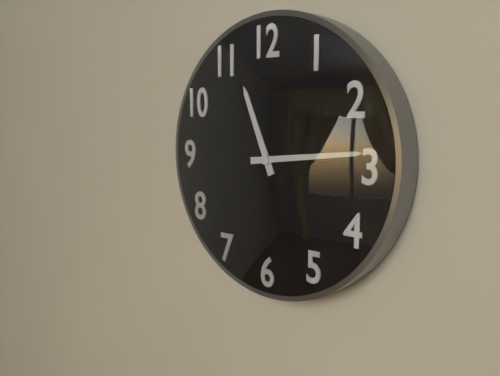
{"hour": 11, "minute": 14}
